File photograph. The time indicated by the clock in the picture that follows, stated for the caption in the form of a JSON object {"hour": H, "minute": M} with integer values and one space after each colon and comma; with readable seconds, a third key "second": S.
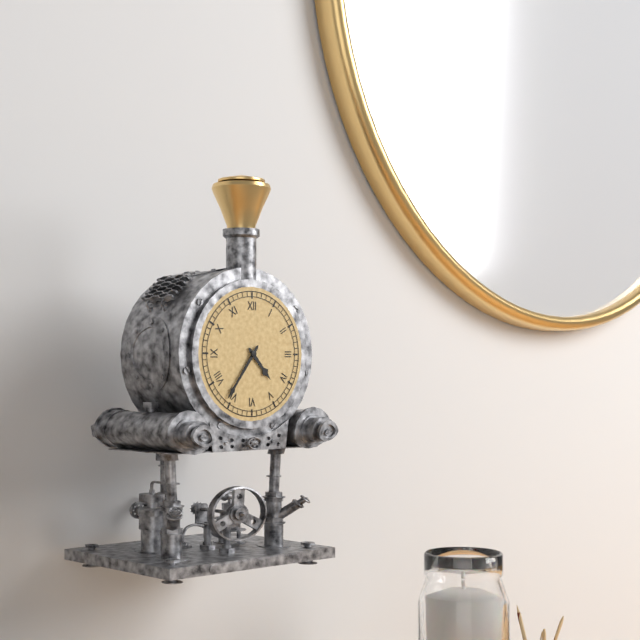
{"hour": 4, "minute": 36}
